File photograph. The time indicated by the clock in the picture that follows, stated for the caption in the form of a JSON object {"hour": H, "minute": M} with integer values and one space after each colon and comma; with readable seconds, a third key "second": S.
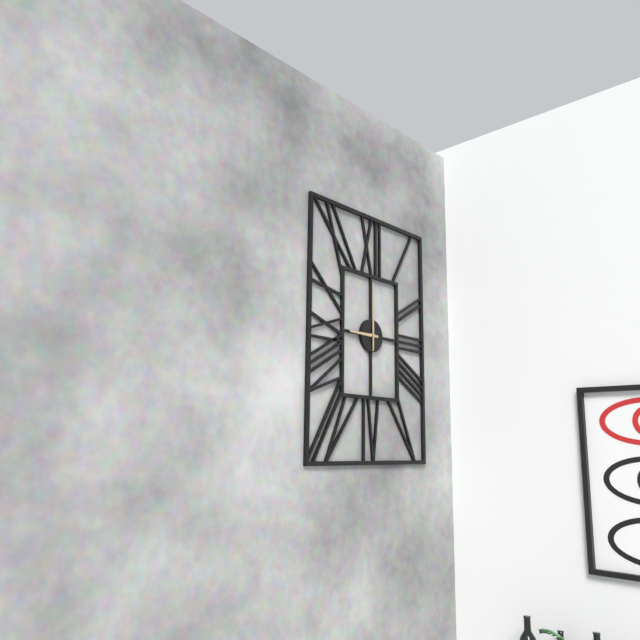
{"hour": 9, "minute": 0}
